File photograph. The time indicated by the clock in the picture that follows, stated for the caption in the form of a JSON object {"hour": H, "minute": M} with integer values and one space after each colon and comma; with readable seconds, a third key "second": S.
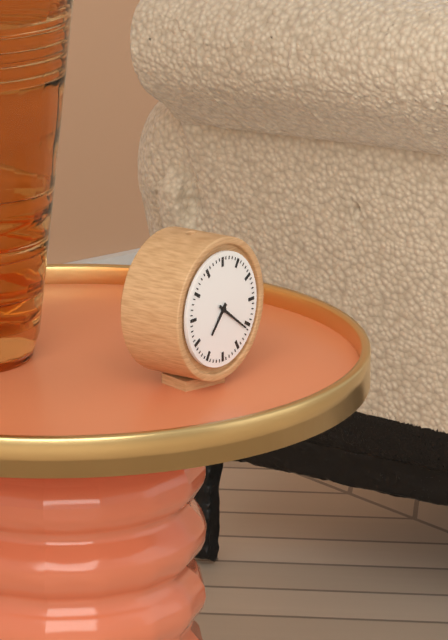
{"hour": 7, "minute": 21}
